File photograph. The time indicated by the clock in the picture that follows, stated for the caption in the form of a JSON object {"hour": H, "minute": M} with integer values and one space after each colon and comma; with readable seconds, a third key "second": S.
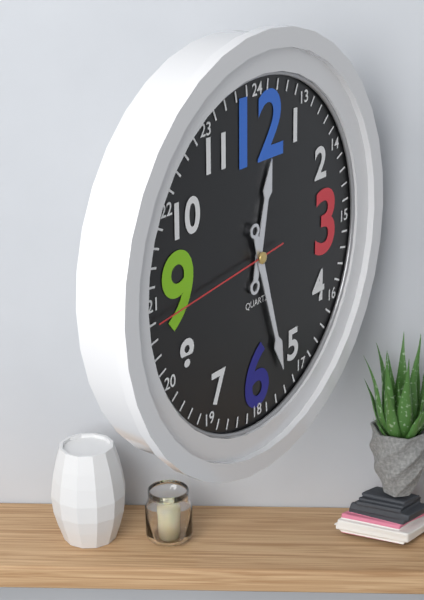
{"hour": 12, "minute": 27, "second": 44}
